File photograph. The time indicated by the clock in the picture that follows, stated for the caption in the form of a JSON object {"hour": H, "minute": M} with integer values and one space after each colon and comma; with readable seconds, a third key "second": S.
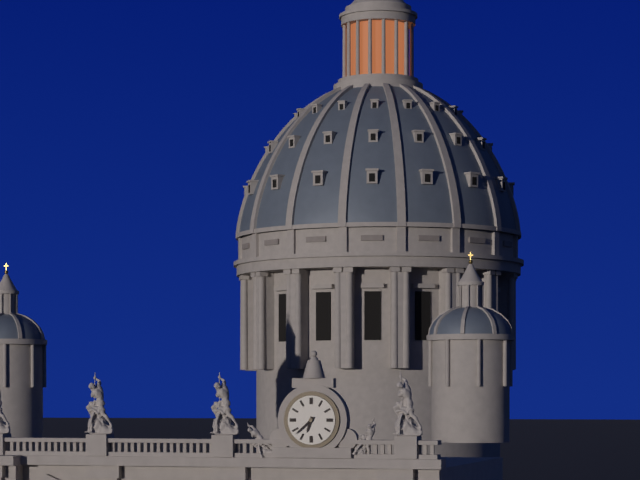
{"hour": 6, "minute": 38}
